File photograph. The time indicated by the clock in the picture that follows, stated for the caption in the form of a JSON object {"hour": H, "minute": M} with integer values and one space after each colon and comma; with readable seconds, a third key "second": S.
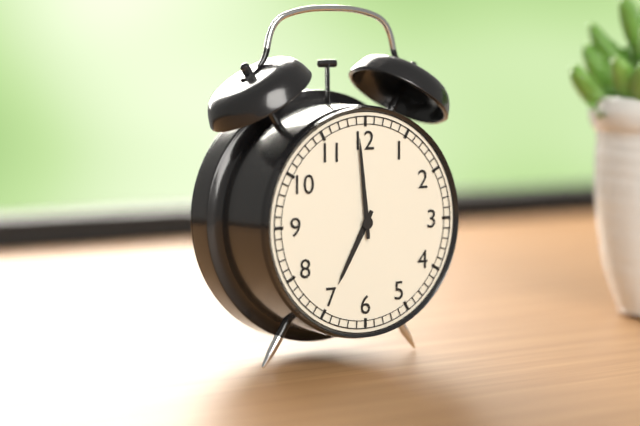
{"hour": 6, "minute": 59}
